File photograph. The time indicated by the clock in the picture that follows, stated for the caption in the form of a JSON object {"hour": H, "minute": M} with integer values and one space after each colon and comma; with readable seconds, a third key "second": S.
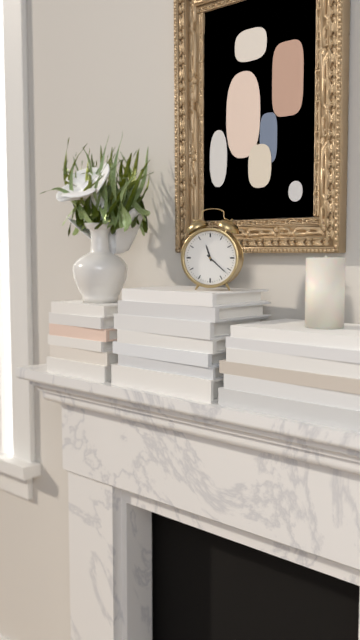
{"hour": 11, "minute": 22}
